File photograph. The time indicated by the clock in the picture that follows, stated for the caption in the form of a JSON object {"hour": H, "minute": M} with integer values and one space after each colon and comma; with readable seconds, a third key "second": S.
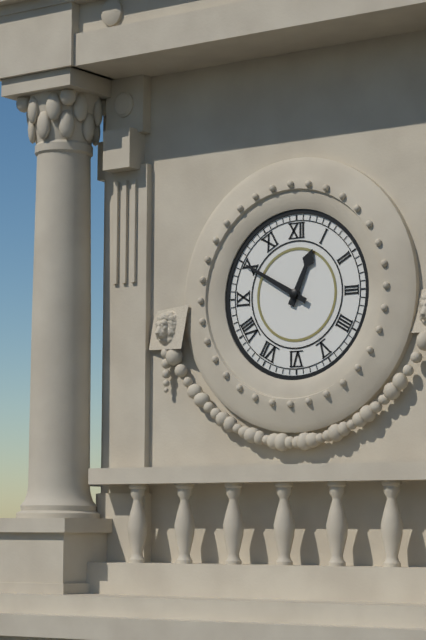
{"hour": 12, "minute": 50}
